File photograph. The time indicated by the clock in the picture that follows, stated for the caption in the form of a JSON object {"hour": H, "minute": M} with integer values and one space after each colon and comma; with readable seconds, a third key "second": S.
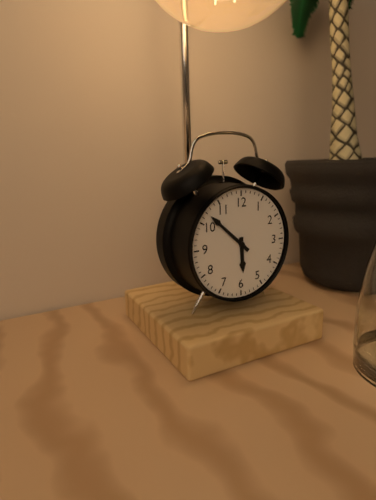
{"hour": 5, "minute": 52}
